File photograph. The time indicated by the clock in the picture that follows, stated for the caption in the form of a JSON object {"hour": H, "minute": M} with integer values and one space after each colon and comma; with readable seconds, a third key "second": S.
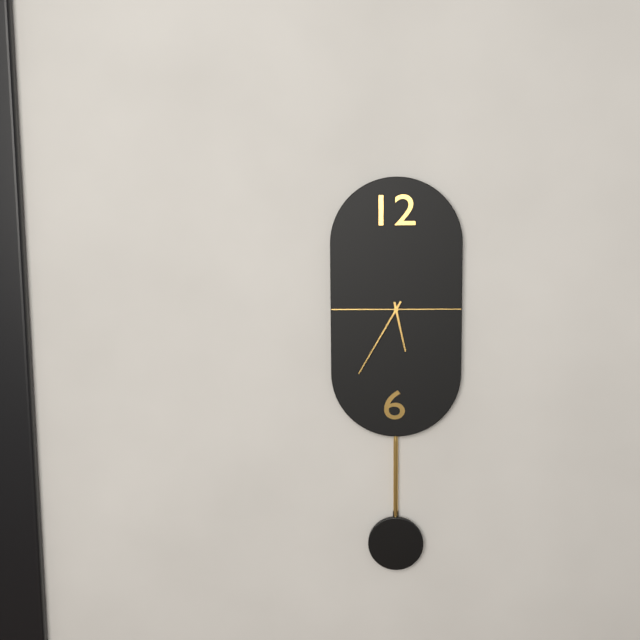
{"hour": 5, "minute": 35}
